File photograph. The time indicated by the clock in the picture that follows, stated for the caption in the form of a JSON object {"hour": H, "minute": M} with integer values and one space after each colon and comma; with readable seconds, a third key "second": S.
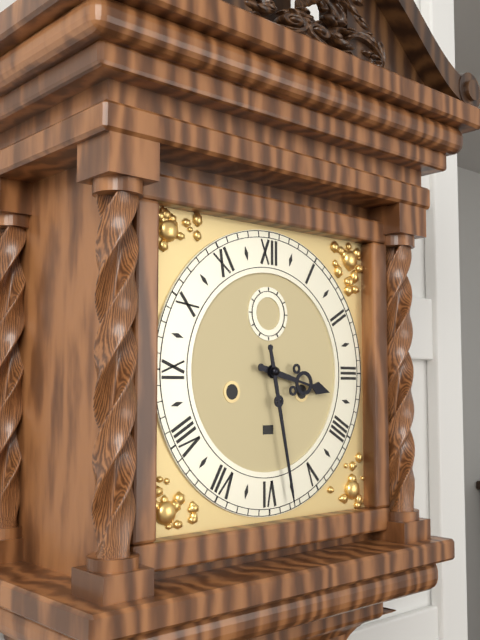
{"hour": 3, "minute": 28}
